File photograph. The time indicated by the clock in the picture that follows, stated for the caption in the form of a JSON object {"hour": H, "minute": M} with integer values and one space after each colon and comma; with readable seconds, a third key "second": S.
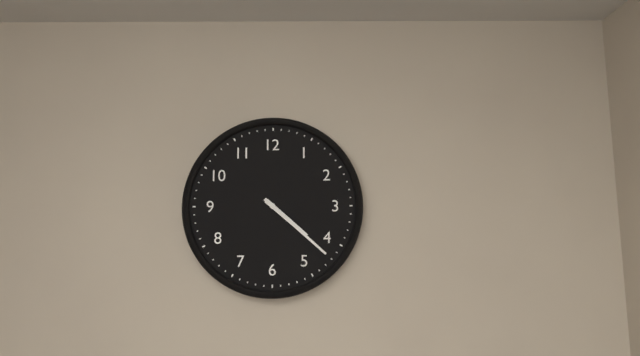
{"hour": 4, "minute": 22}
